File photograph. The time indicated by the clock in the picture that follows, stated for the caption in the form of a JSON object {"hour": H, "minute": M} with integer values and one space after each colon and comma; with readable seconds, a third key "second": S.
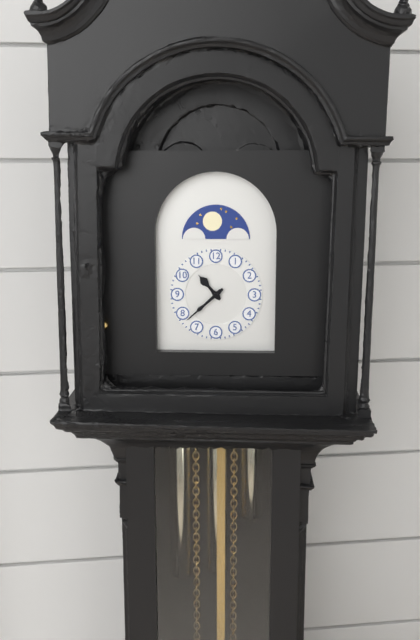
{"hour": 10, "minute": 38}
